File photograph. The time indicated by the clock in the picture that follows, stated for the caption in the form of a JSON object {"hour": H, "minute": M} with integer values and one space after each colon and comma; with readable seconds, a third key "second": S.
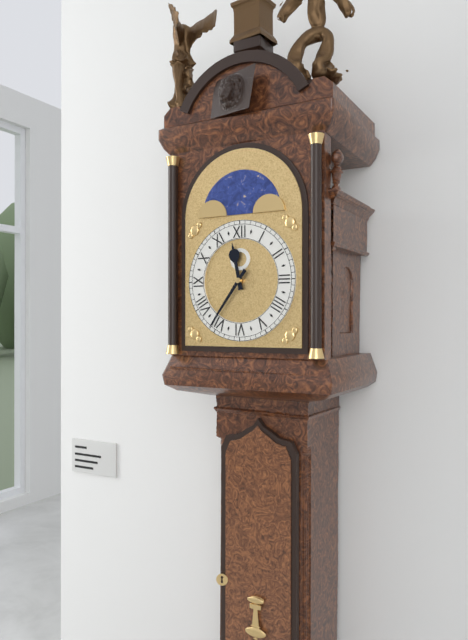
{"hour": 11, "minute": 36}
